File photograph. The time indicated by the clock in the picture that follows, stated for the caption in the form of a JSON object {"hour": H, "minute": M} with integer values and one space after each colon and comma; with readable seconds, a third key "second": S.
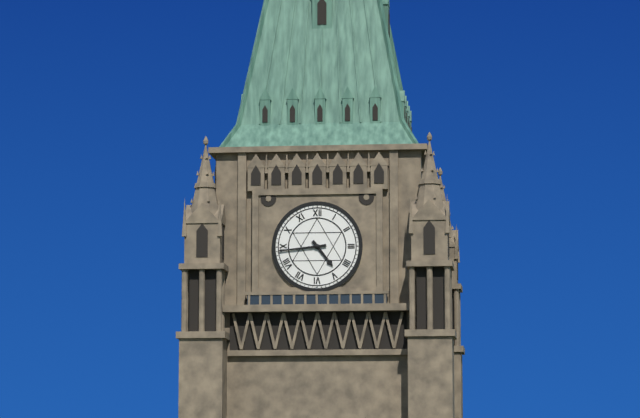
{"hour": 4, "minute": 44}
